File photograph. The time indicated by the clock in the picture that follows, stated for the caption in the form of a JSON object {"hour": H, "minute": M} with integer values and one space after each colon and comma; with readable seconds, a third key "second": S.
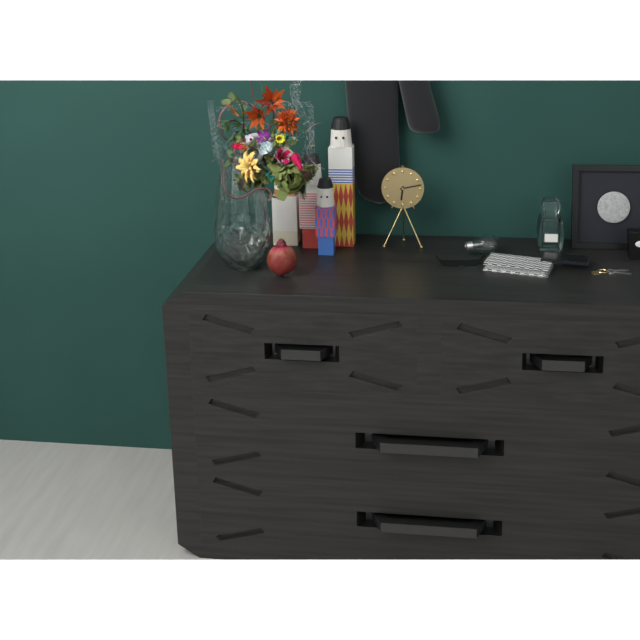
{"hour": 6, "minute": 13}
